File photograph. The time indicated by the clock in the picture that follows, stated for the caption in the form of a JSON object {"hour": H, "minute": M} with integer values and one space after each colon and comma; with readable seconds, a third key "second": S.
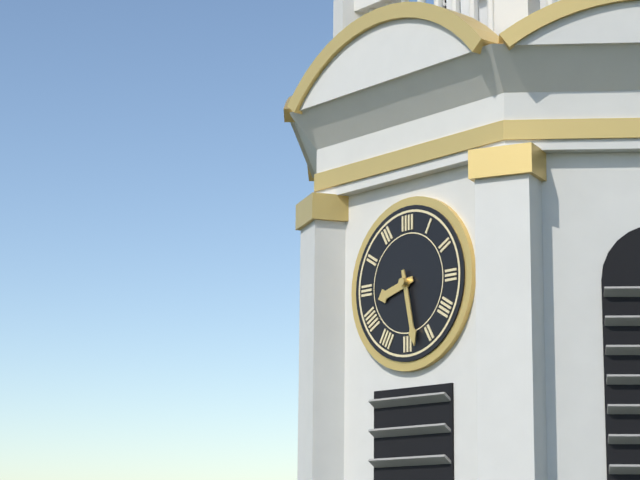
{"hour": 8, "minute": 28}
